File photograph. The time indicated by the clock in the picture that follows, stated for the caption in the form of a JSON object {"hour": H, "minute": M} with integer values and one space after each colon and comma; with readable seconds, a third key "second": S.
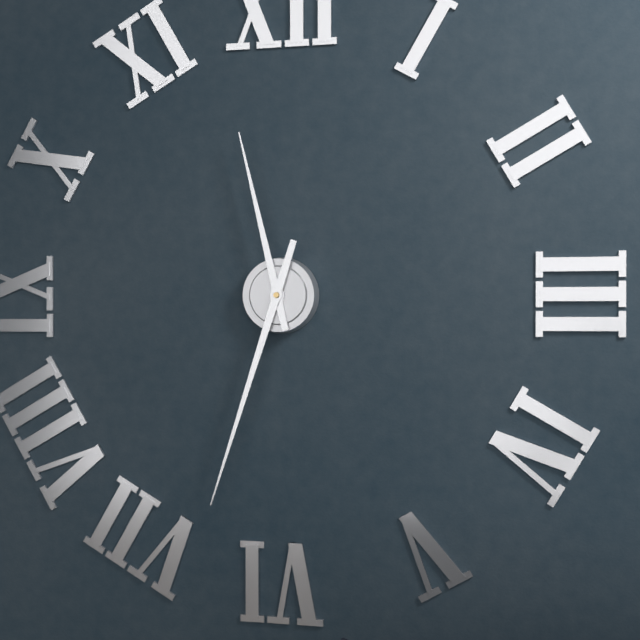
{"hour": 11, "minute": 33}
